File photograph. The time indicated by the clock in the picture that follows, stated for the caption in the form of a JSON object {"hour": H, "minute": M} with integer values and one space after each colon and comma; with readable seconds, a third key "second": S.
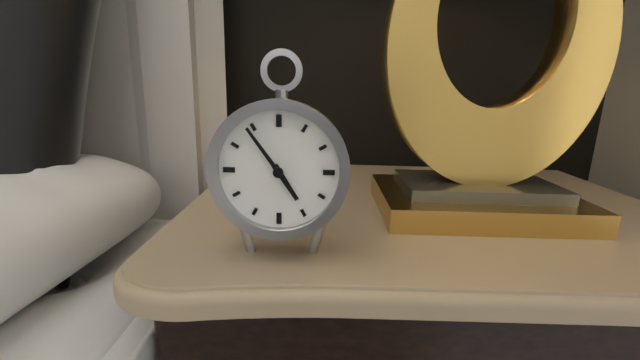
{"hour": 4, "minute": 54}
